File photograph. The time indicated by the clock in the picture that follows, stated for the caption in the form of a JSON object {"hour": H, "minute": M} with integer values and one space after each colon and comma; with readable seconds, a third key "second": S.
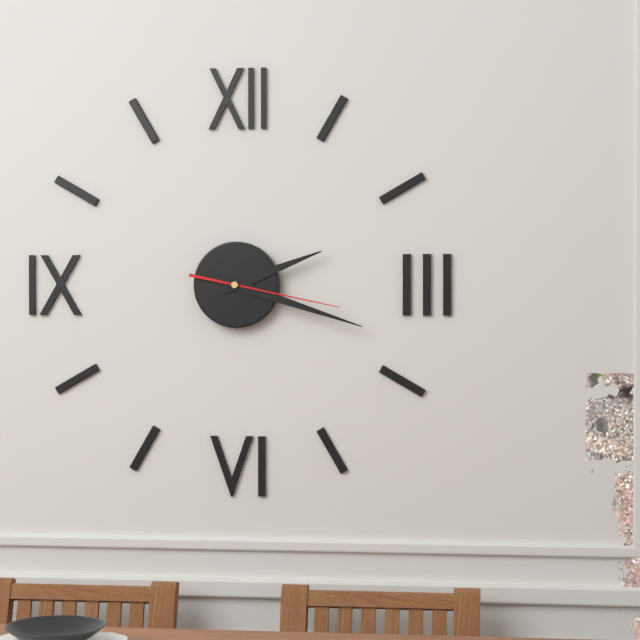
{"hour": 2, "minute": 18, "second": 17}
